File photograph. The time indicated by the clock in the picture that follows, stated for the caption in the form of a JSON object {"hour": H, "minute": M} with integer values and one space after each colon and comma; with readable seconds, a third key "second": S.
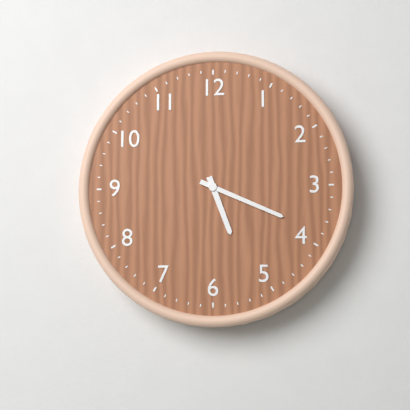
{"hour": 5, "minute": 19}
